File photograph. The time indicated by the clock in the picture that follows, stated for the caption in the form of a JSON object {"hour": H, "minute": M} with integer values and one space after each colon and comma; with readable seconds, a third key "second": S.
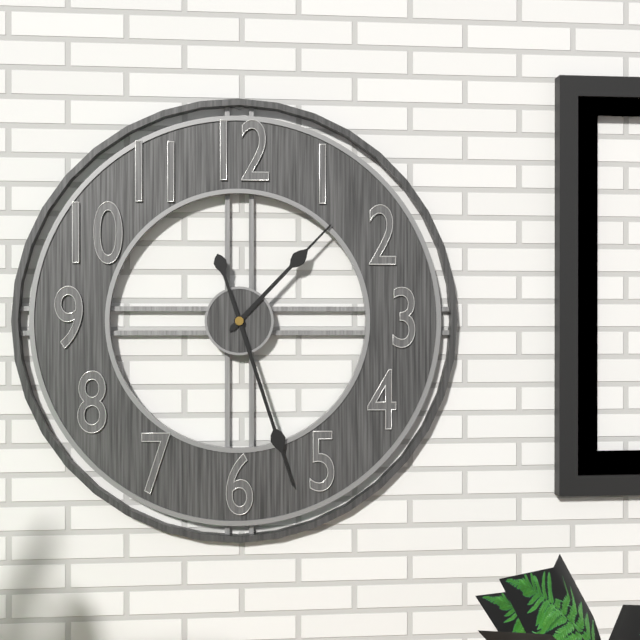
{"hour": 1, "minute": 27}
